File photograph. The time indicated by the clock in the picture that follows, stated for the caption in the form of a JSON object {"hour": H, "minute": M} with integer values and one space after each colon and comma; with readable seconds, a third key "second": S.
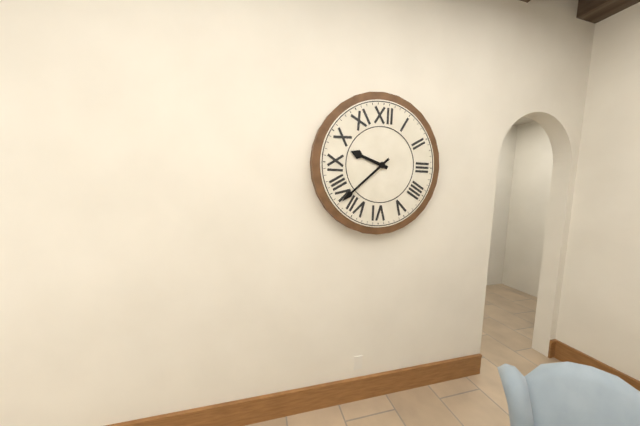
{"hour": 9, "minute": 38}
